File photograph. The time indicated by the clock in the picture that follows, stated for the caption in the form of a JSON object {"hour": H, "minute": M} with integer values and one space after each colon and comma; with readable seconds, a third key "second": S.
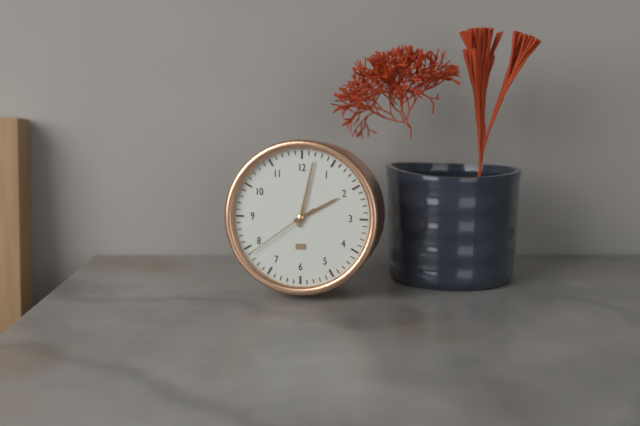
{"hour": 2, "minute": 2, "second": 39}
